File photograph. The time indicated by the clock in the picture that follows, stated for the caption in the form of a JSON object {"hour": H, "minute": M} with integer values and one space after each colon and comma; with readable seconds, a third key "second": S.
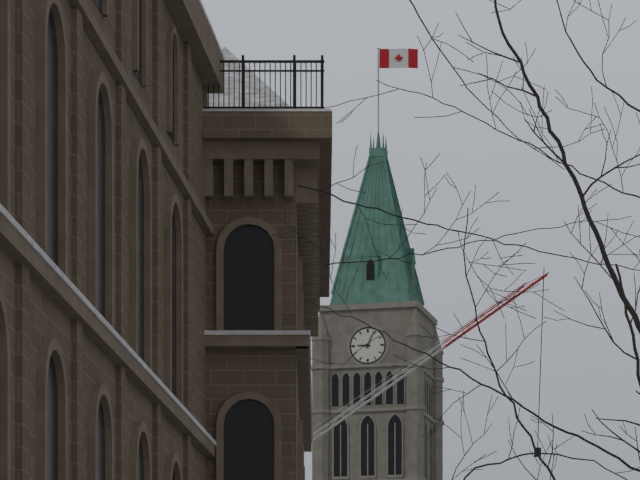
{"hour": 9, "minute": 4}
